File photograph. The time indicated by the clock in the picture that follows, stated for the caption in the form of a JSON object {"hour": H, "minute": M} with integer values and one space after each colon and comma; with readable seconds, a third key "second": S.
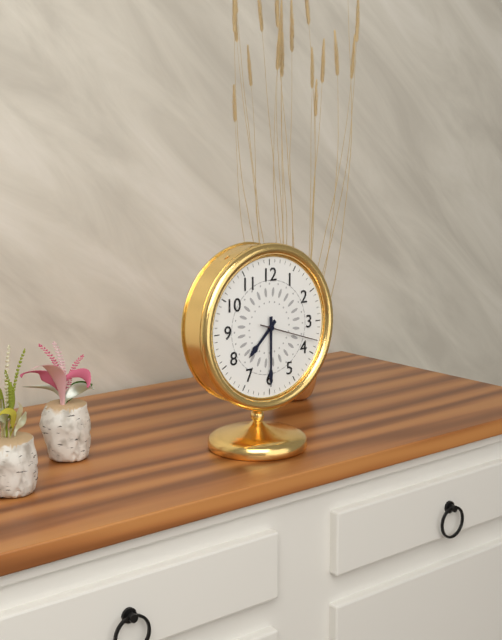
{"hour": 7, "minute": 30, "second": 18}
